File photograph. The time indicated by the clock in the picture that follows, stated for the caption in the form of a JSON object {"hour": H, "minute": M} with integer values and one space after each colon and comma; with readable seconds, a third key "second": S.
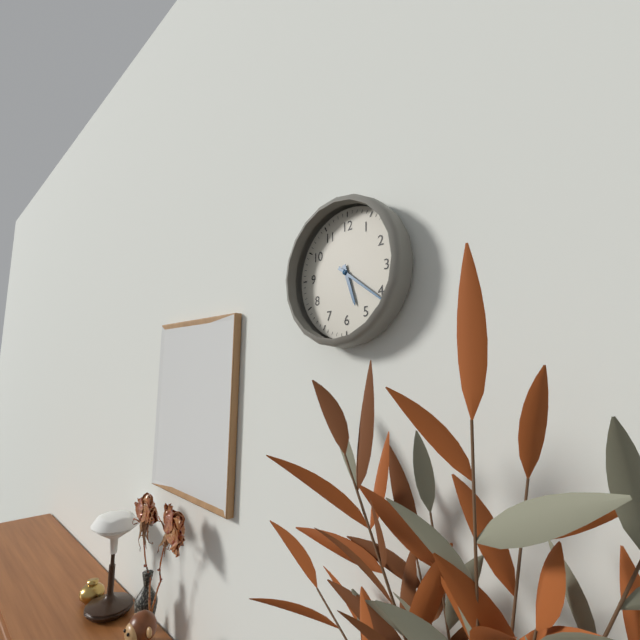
{"hour": 5, "minute": 21}
